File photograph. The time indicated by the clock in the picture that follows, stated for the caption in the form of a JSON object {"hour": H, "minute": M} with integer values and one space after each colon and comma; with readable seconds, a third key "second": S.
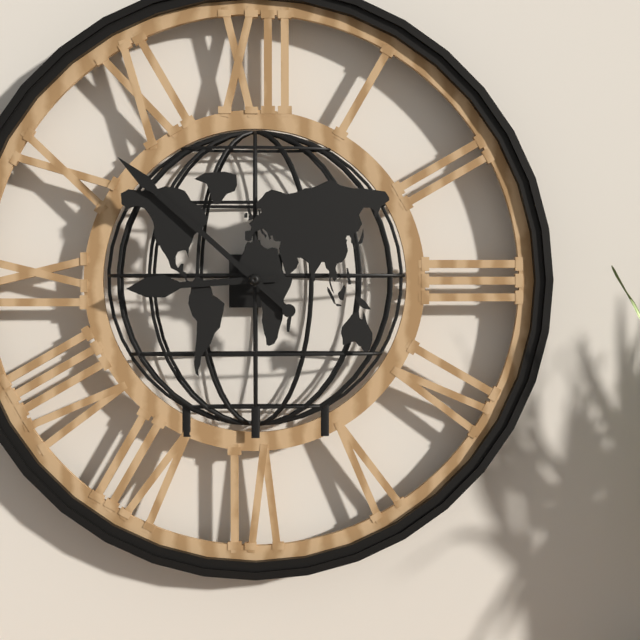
{"hour": 8, "minute": 52}
